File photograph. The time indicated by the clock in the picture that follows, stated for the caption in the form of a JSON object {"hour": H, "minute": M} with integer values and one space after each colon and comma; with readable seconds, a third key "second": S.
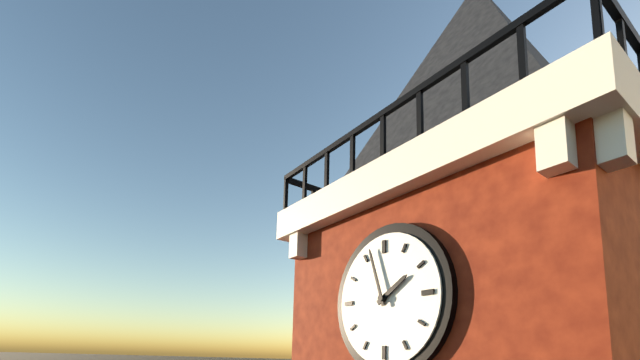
{"hour": 1, "minute": 57}
